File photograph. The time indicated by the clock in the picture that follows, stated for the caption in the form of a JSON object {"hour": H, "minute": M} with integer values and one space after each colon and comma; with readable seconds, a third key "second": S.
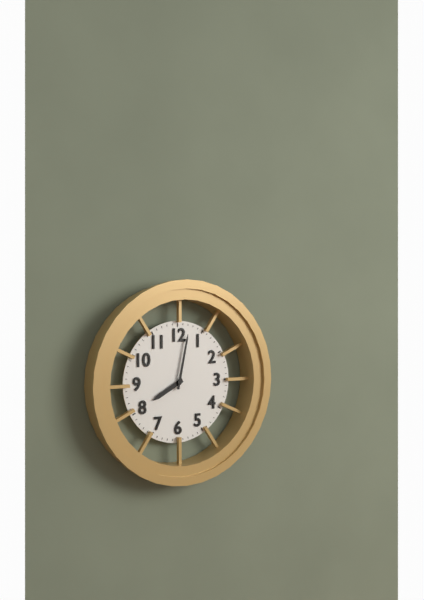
{"hour": 8, "minute": 2}
